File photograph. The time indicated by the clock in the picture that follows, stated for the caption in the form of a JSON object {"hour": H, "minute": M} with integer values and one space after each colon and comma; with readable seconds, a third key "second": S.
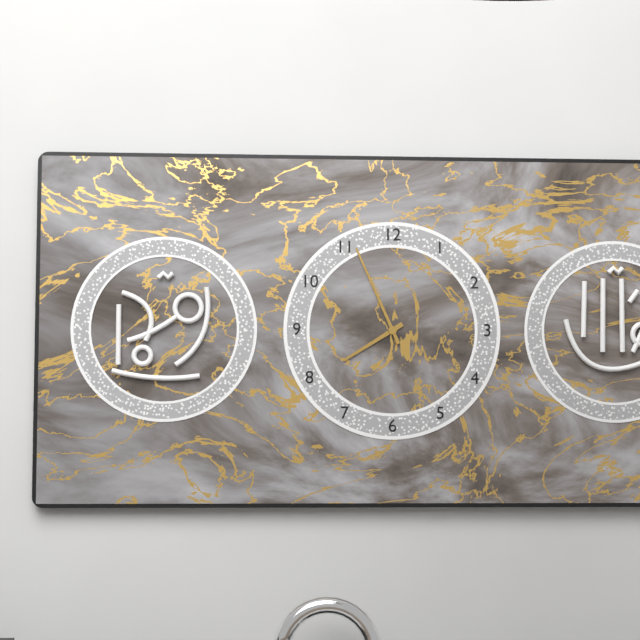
{"hour": 7, "minute": 56}
